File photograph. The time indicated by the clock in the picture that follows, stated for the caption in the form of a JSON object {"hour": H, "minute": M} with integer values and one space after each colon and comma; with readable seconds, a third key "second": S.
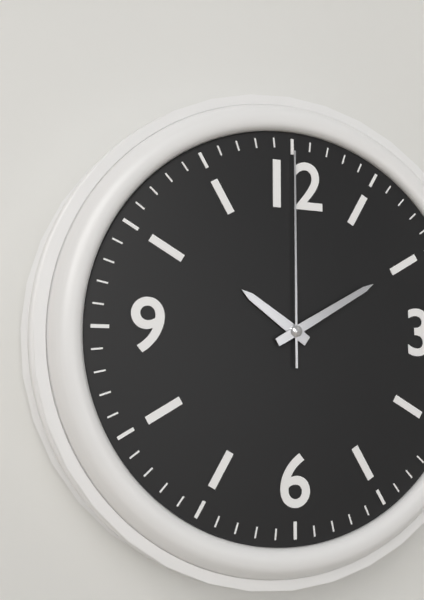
{"hour": 10, "minute": 10, "second": 0}
